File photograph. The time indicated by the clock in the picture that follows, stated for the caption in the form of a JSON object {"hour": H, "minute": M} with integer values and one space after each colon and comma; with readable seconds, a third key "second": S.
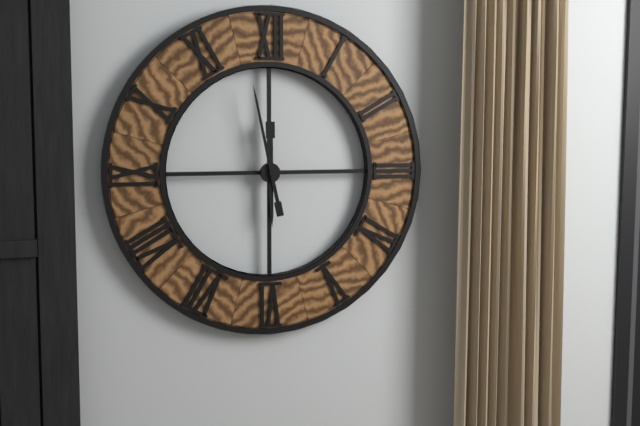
{"hour": 5, "minute": 58}
